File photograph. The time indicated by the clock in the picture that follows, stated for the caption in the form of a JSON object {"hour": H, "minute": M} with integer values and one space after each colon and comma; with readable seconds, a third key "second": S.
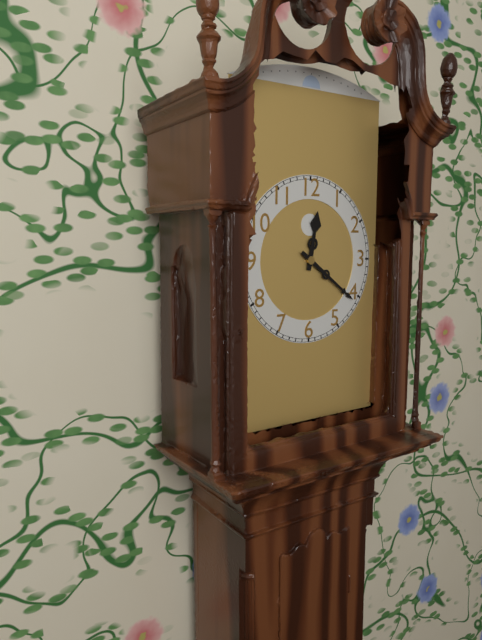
{"hour": 12, "minute": 21}
